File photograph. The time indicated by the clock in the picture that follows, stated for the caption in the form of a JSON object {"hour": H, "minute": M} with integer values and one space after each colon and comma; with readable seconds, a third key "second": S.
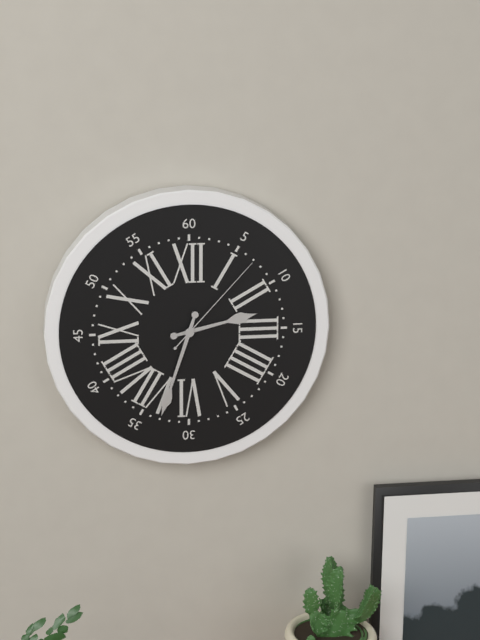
{"hour": 2, "minute": 33, "second": 7}
